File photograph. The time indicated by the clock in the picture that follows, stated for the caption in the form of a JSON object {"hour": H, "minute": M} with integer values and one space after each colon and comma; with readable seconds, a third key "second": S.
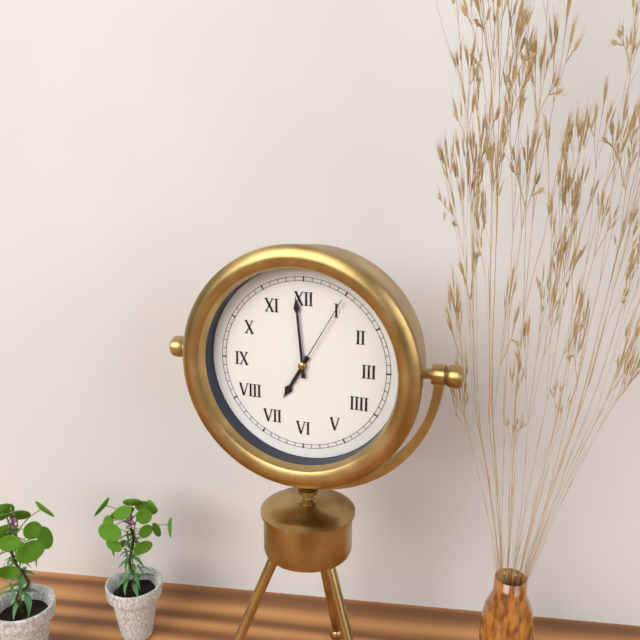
{"hour": 6, "minute": 59, "second": 5}
